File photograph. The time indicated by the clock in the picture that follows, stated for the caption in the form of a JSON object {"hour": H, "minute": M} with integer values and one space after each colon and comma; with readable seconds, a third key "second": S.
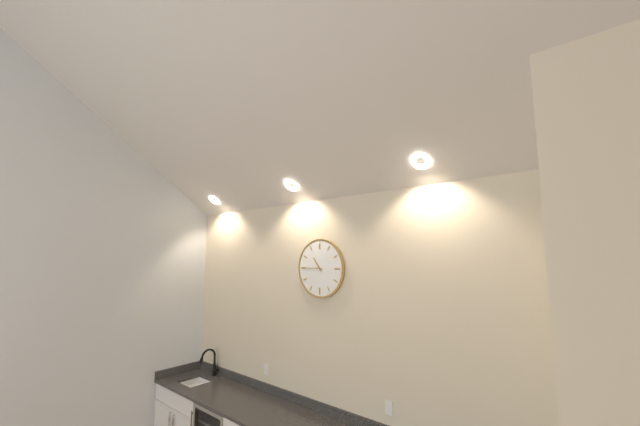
{"hour": 10, "minute": 45}
